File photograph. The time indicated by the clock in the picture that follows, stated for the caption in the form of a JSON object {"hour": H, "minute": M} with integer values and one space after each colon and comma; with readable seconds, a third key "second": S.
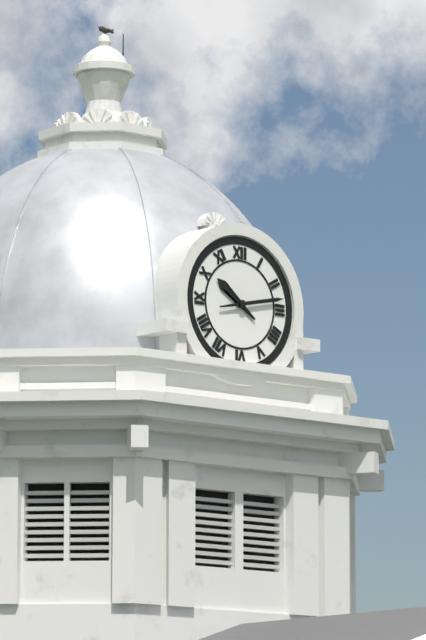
{"hour": 10, "minute": 13}
